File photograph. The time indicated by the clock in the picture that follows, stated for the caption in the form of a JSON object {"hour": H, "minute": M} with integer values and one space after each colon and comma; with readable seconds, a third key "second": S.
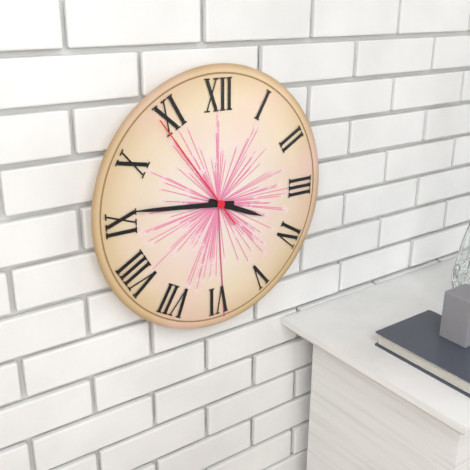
{"hour": 3, "minute": 46, "second": 54}
